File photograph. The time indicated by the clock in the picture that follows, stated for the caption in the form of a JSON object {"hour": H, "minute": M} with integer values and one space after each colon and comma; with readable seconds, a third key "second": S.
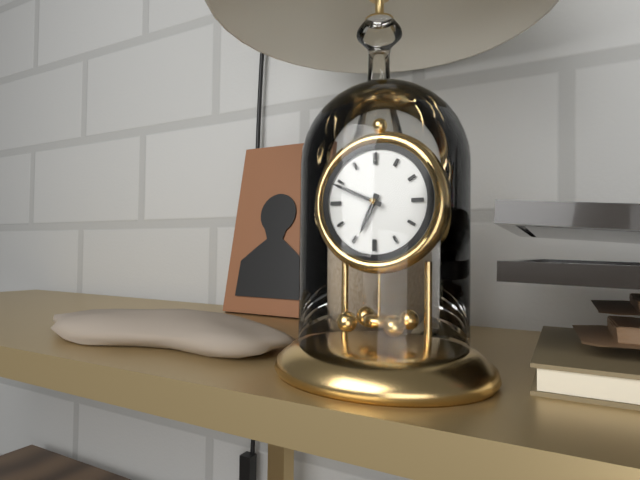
{"hour": 6, "minute": 49}
